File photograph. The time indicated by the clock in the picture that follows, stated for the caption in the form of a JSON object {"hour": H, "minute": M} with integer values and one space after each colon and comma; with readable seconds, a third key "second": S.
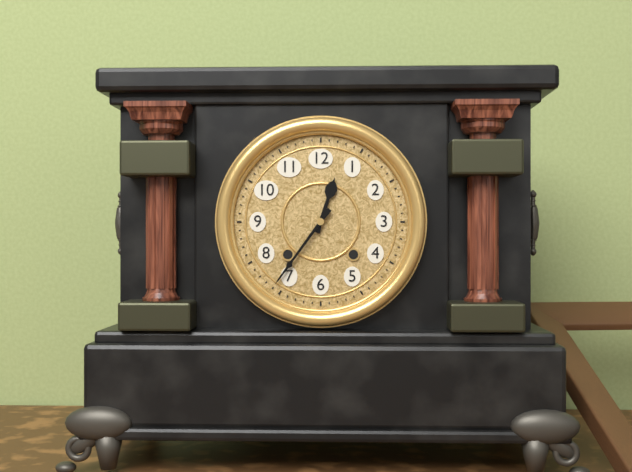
{"hour": 12, "minute": 36}
